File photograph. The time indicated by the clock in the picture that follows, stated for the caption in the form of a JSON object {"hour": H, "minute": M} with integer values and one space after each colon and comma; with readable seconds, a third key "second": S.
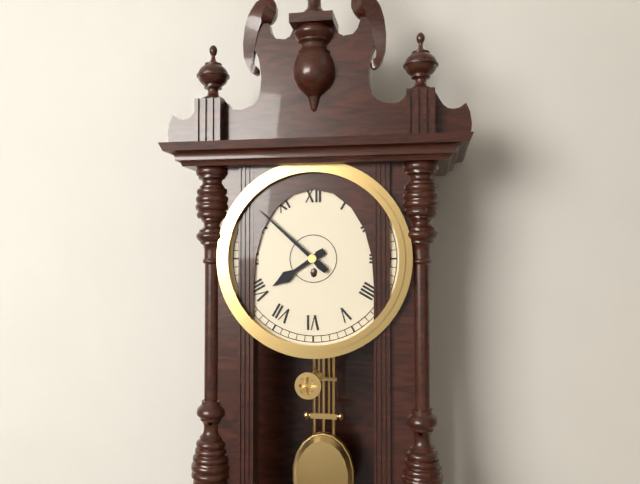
{"hour": 7, "minute": 52}
